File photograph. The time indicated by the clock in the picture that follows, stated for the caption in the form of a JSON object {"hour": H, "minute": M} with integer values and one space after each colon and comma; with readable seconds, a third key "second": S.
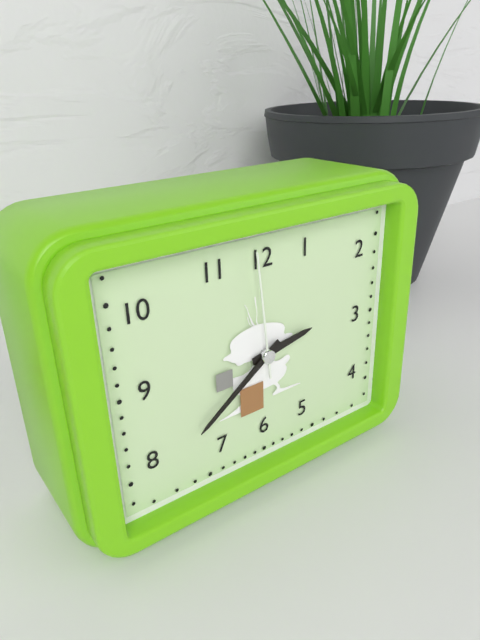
{"hour": 2, "minute": 39, "second": 59}
